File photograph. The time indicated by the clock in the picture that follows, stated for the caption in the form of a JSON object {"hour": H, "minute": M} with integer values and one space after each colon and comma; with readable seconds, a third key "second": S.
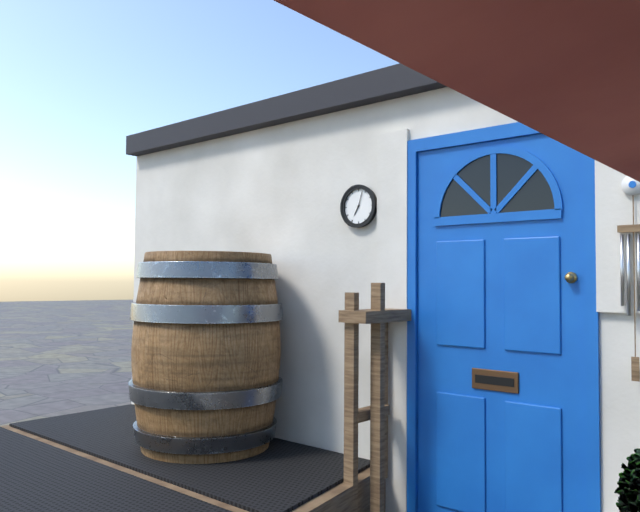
{"hour": 7, "minute": 3}
